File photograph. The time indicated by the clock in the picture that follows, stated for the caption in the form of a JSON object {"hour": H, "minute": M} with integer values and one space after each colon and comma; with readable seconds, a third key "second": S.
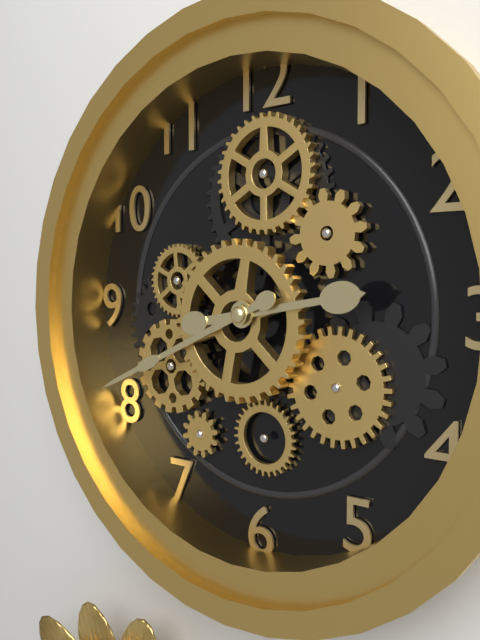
{"hour": 2, "minute": 41}
